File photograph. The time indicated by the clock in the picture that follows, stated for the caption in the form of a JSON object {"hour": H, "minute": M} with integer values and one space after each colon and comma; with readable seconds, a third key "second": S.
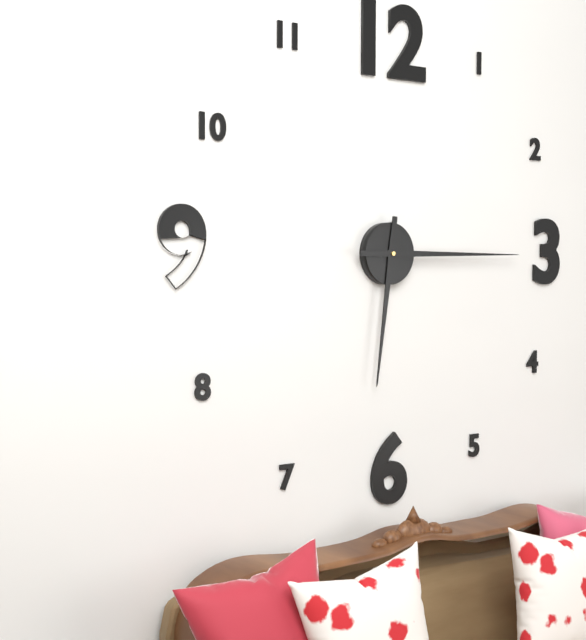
{"hour": 6, "minute": 15}
